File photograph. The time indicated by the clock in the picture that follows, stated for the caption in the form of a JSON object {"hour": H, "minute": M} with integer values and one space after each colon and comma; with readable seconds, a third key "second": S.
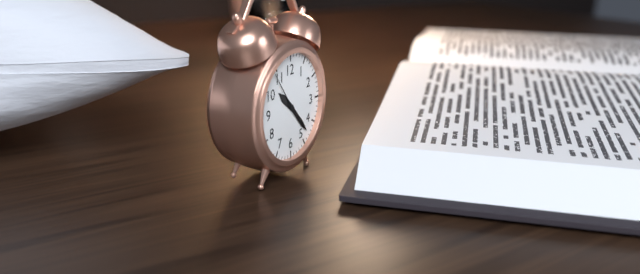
{"hour": 10, "minute": 23}
